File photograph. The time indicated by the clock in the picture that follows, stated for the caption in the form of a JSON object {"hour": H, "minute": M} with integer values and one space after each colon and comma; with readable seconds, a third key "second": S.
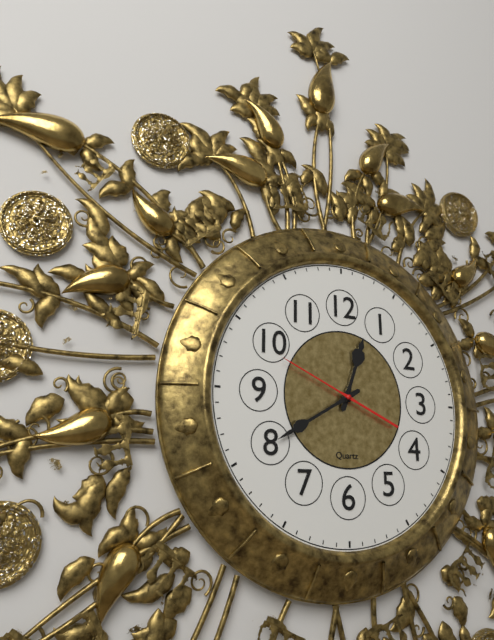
{"hour": 12, "minute": 40, "second": 49}
